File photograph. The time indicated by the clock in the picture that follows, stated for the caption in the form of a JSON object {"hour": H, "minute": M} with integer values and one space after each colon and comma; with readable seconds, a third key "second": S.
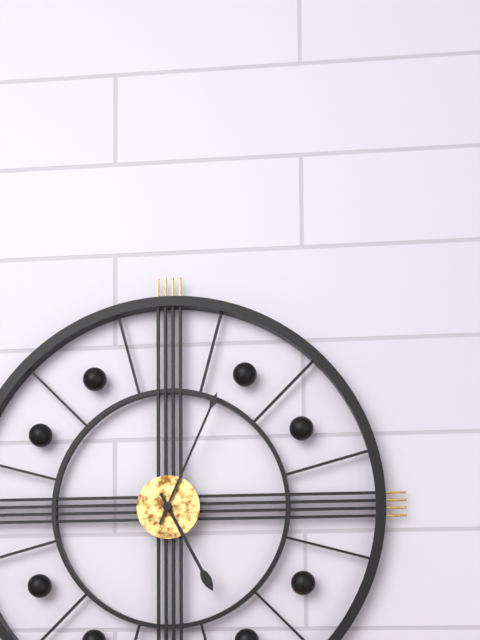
{"hour": 5, "minute": 4}
